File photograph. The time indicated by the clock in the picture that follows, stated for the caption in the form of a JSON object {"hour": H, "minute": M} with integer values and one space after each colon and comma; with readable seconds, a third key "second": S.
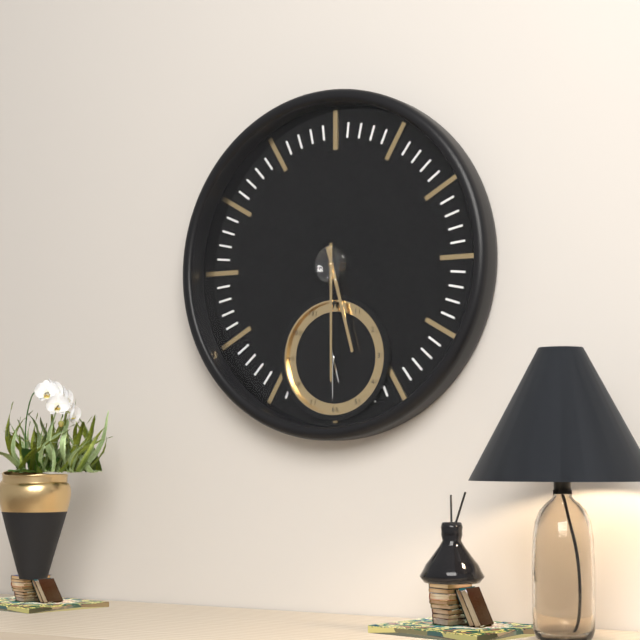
{"hour": 5, "minute": 30}
